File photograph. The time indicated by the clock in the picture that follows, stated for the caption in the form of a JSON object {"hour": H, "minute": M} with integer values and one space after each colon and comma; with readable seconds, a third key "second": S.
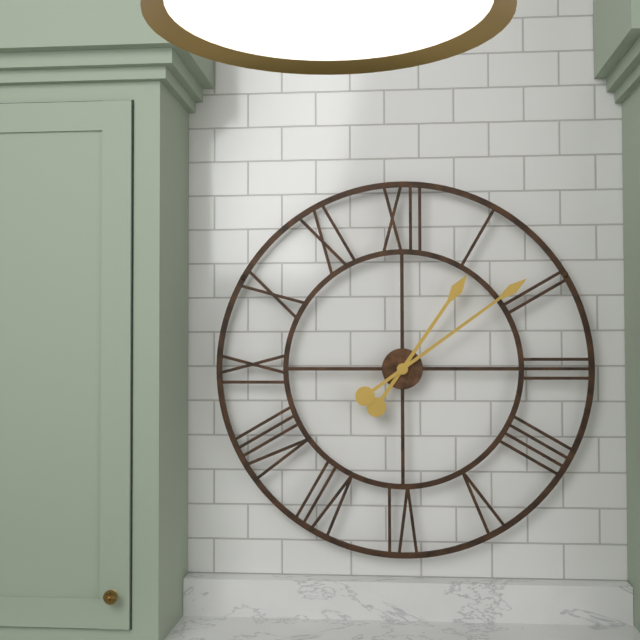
{"hour": 1, "minute": 9}
